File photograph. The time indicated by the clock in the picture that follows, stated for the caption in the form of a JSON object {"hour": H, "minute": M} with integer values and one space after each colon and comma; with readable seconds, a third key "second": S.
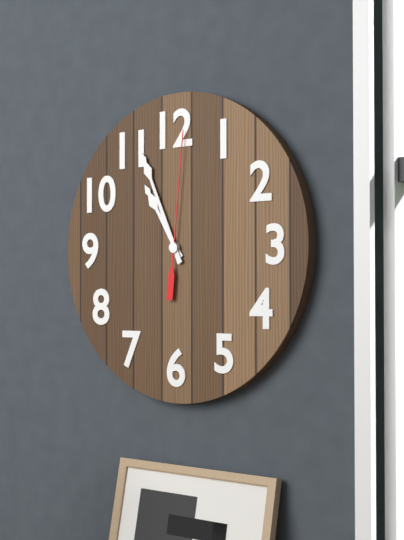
{"hour": 10, "minute": 56, "second": 1}
